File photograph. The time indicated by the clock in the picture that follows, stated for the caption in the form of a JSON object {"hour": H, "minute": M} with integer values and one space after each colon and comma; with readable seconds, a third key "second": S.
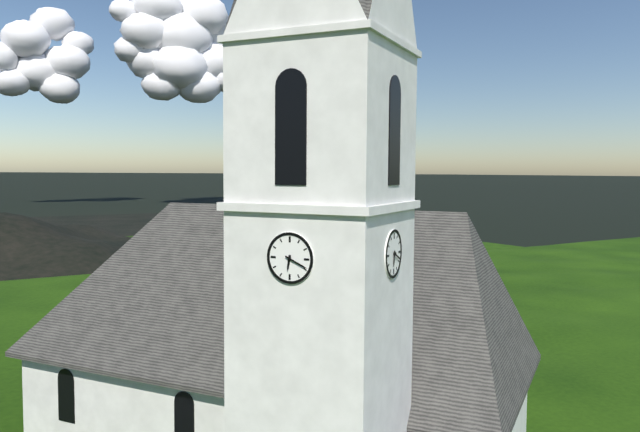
{"hour": 6, "minute": 19}
